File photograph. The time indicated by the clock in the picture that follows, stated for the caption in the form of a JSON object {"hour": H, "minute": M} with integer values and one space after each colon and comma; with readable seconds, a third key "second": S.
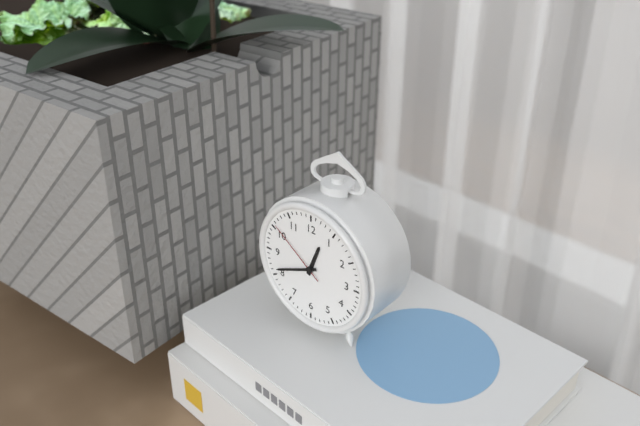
{"hour": 12, "minute": 41, "second": 51}
